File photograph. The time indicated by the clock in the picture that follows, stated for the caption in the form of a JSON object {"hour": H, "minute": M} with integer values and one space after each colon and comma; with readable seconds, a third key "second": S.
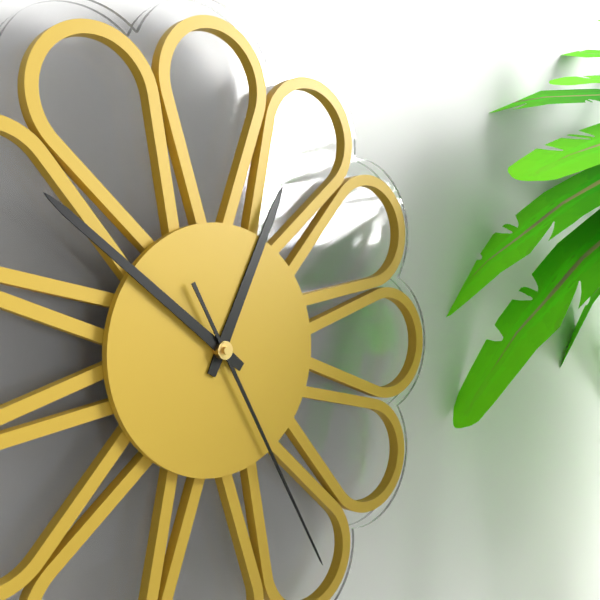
{"hour": 12, "minute": 51, "second": 25}
